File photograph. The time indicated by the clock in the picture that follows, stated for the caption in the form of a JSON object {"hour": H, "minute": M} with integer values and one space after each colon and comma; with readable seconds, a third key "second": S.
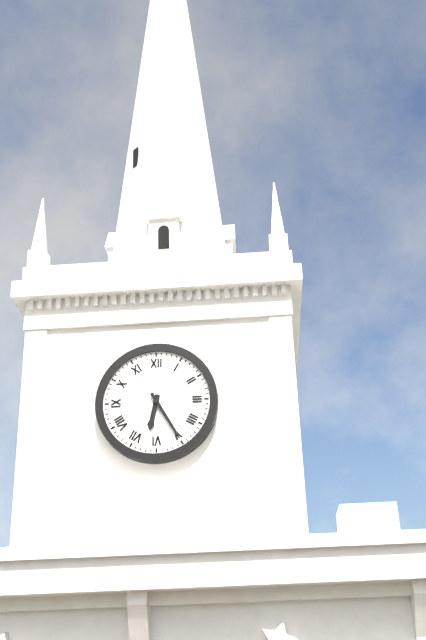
{"hour": 6, "minute": 25}
